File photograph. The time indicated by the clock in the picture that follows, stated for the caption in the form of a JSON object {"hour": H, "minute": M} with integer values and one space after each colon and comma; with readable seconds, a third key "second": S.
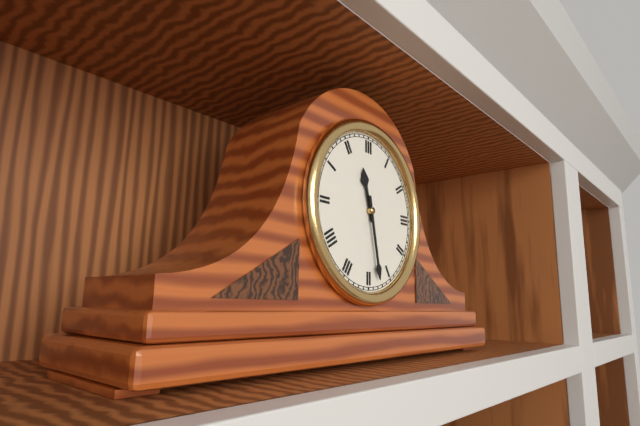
{"hour": 11, "minute": 28}
